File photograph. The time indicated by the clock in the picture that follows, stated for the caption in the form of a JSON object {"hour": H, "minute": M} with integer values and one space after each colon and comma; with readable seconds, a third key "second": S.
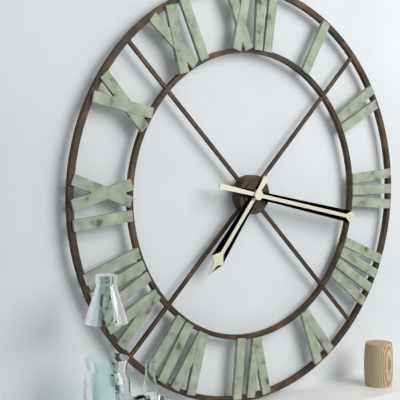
{"hour": 7, "minute": 17}
